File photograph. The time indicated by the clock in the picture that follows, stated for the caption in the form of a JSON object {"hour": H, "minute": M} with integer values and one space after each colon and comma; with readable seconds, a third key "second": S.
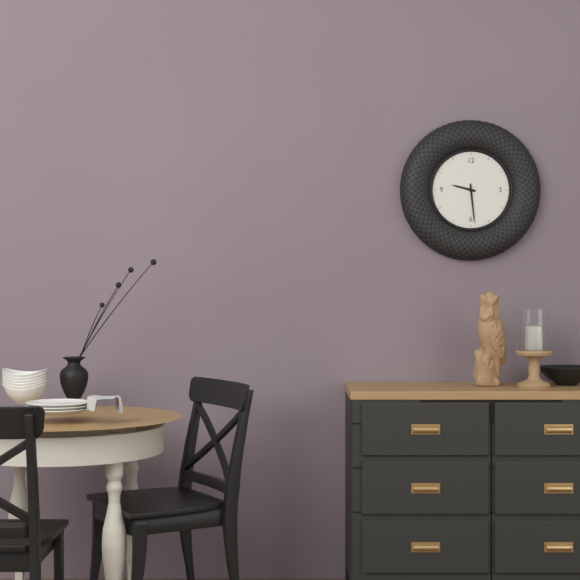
{"hour": 9, "minute": 29}
